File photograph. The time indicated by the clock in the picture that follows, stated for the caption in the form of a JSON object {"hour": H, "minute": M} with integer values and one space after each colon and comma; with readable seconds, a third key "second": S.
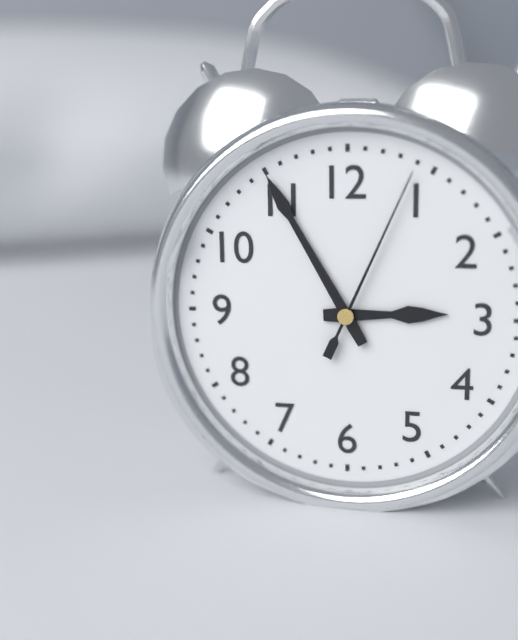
{"hour": 2, "minute": 55, "second": 4}
